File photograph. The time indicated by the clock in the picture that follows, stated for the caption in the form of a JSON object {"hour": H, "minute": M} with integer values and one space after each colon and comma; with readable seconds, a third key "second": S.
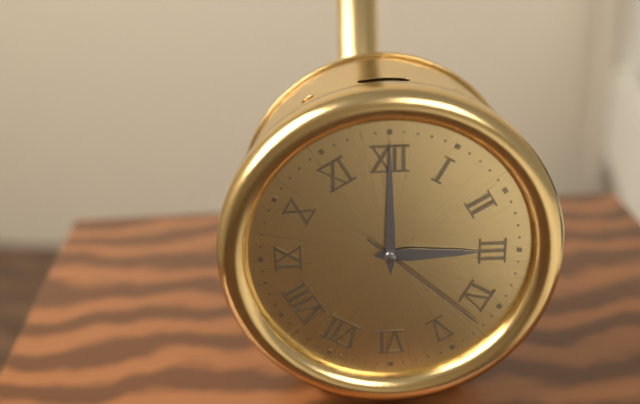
{"hour": 3, "minute": 0, "second": 22}
